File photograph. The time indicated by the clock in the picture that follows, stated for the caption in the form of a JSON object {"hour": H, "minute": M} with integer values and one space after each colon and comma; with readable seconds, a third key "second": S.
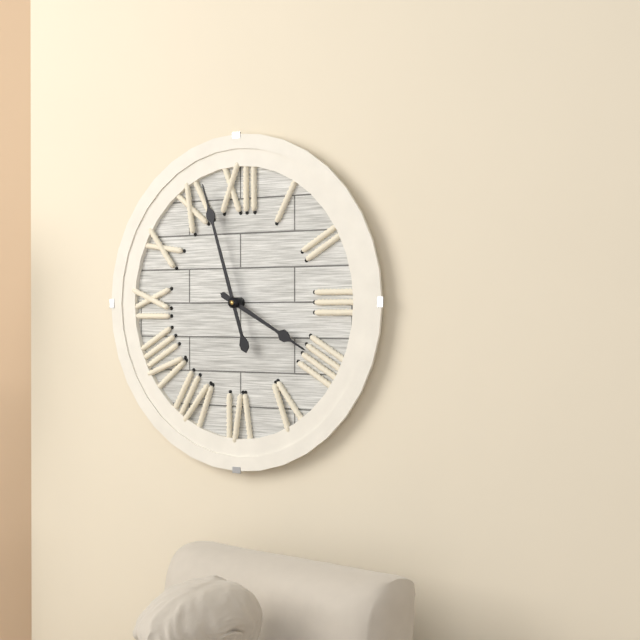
{"hour": 3, "minute": 57}
